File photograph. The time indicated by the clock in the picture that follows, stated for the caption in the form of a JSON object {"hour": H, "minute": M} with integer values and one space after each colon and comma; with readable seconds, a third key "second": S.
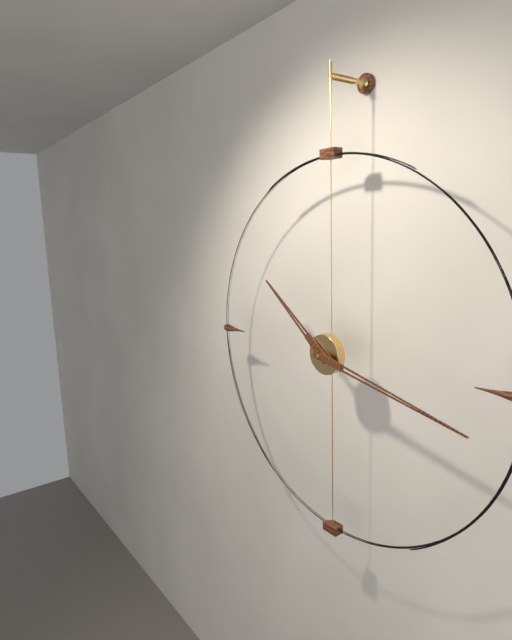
{"hour": 10, "minute": 17}
